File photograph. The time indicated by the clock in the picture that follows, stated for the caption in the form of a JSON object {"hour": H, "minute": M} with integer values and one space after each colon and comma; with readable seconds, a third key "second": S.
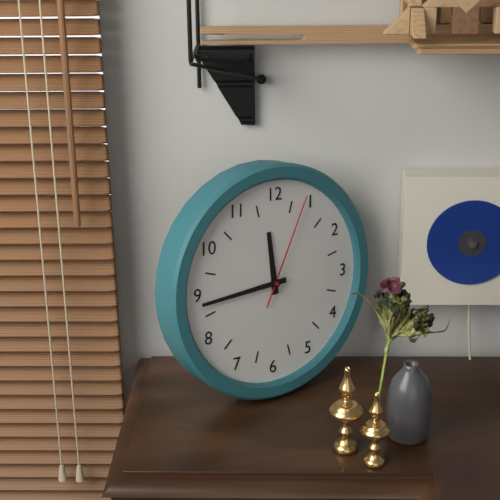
{"hour": 11, "minute": 44, "second": 4}
